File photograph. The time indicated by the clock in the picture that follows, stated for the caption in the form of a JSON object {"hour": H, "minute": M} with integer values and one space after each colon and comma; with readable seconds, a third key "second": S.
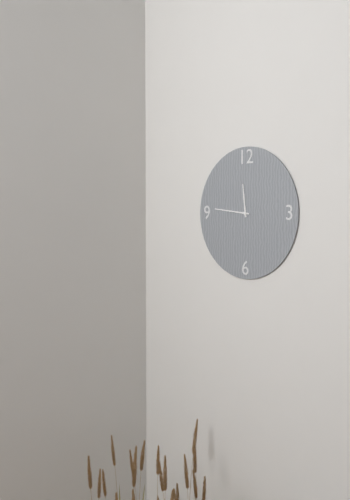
{"hour": 11, "minute": 46}
